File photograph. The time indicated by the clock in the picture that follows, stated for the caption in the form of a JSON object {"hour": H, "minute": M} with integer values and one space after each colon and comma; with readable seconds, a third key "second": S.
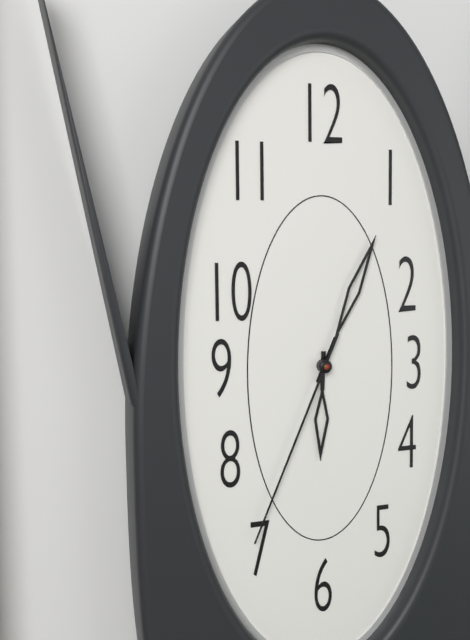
{"hour": 6, "minute": 4, "second": 34}
